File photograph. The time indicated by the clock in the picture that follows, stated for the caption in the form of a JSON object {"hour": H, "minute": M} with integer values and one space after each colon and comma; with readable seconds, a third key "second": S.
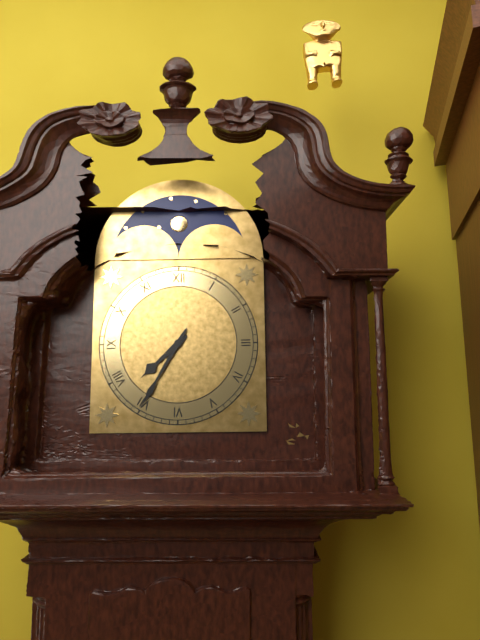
{"hour": 7, "minute": 35}
